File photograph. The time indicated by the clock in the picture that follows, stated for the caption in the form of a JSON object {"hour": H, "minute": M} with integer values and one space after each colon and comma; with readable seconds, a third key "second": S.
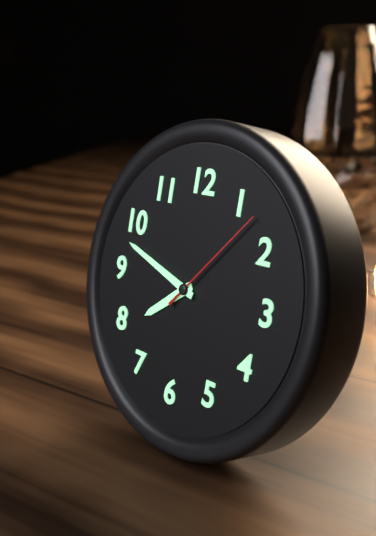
{"hour": 7, "minute": 48, "second": 7}
